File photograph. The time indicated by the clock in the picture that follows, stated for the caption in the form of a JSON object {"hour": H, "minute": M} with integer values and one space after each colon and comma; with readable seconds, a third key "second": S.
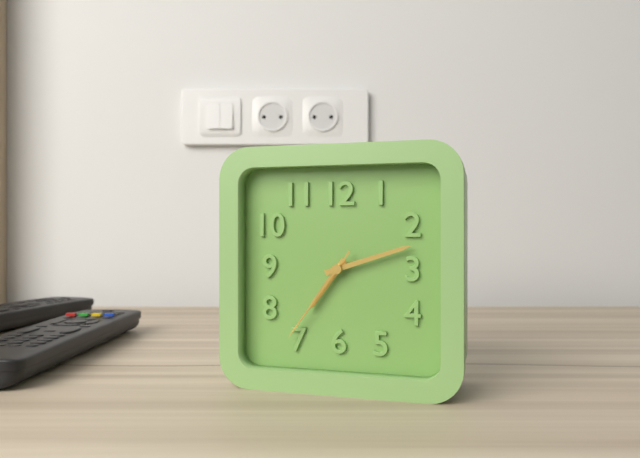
{"hour": 7, "minute": 12, "second": 36}
